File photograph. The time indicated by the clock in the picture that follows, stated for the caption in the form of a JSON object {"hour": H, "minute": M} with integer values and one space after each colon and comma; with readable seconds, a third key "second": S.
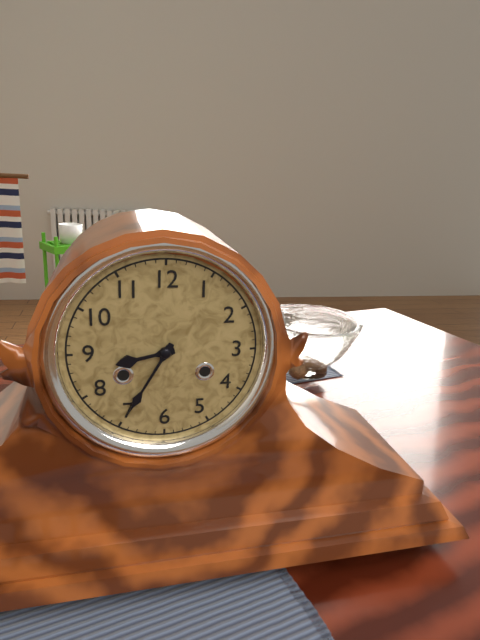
{"hour": 8, "minute": 35}
